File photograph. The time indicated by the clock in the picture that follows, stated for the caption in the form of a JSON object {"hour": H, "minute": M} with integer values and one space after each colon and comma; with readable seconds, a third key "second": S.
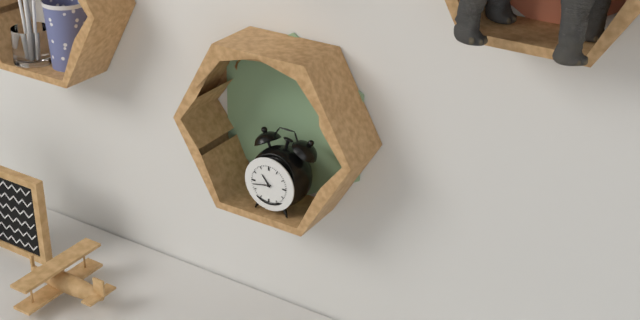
{"hour": 10, "minute": 43}
